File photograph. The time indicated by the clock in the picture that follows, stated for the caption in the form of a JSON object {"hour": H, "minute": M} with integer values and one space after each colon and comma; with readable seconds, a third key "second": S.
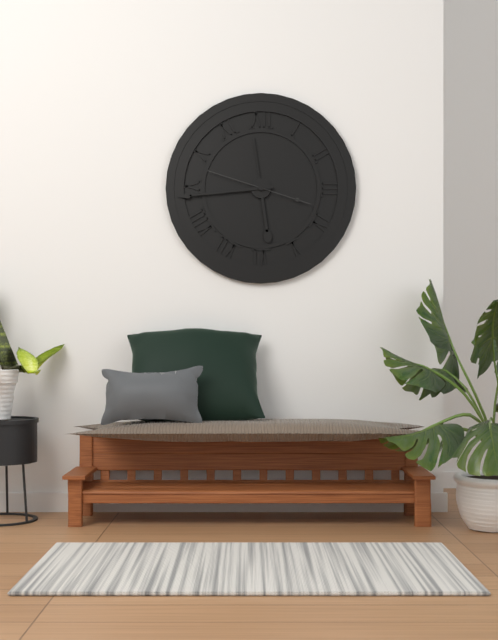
{"hour": 5, "minute": 44, "second": 48}
